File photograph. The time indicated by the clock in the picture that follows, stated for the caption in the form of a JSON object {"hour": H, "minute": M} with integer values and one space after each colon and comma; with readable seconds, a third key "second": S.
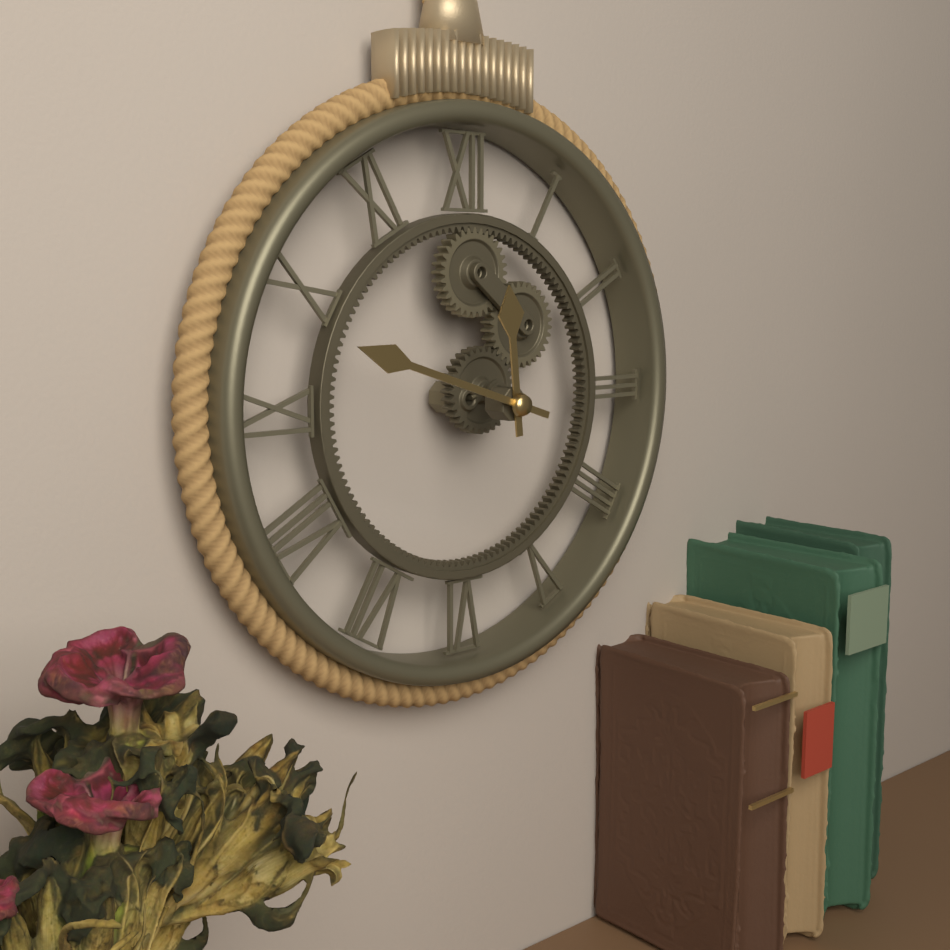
{"hour": 11, "minute": 48}
